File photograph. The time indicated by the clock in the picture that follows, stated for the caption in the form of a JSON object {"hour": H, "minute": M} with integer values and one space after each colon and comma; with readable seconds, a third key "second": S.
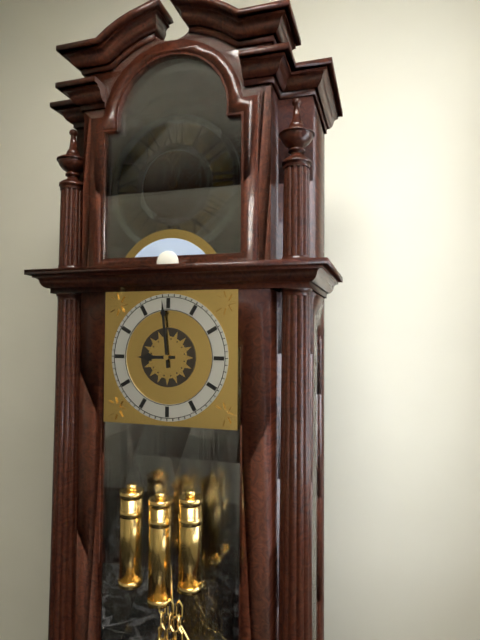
{"hour": 8, "minute": 59}
